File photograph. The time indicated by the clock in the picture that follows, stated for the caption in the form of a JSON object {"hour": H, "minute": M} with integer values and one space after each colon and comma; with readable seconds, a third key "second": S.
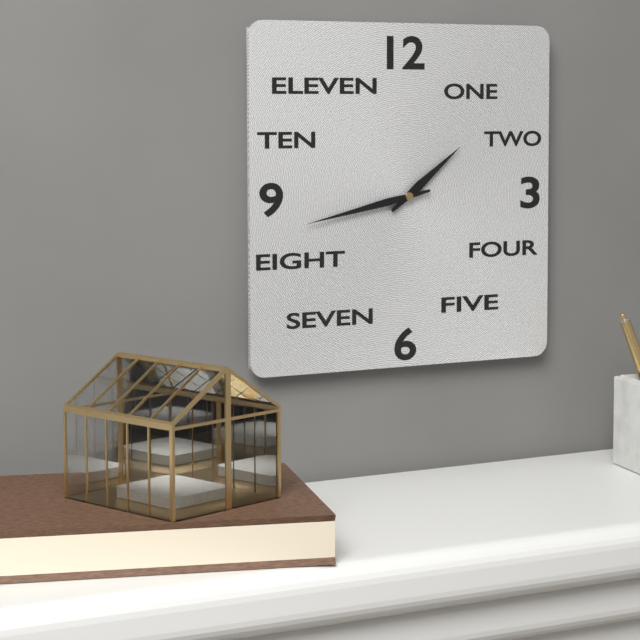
{"hour": 1, "minute": 43}
